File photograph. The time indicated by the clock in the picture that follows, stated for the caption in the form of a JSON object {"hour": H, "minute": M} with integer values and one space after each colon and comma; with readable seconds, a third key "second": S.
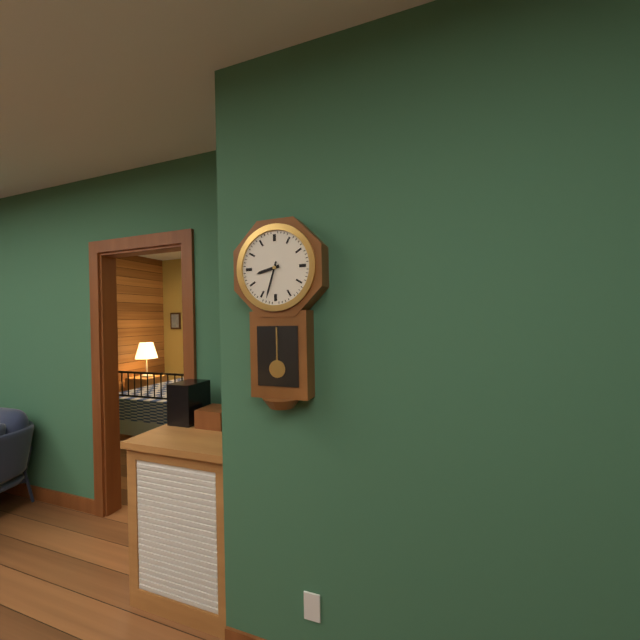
{"hour": 8, "minute": 33}
